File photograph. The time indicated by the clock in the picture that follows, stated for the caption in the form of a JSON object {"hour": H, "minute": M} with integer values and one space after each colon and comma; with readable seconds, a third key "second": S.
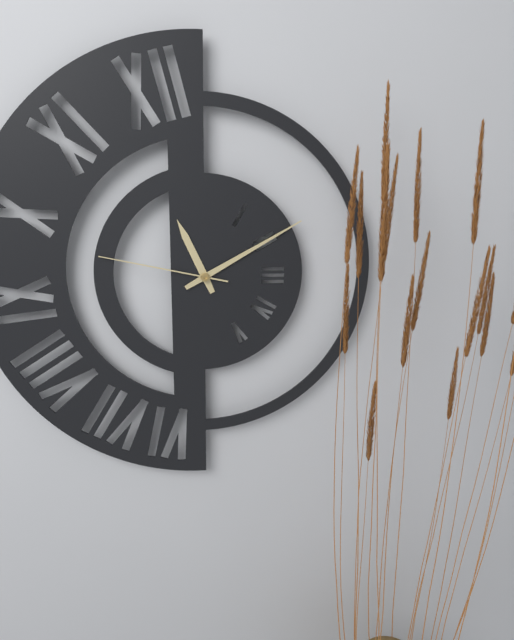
{"hour": 11, "minute": 10, "second": 47}
